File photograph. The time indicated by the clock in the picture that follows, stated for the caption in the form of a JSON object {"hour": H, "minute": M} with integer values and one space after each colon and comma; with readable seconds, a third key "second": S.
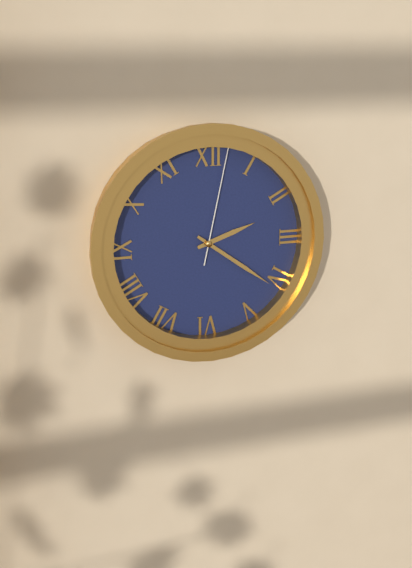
{"hour": 2, "minute": 21, "second": 2}
